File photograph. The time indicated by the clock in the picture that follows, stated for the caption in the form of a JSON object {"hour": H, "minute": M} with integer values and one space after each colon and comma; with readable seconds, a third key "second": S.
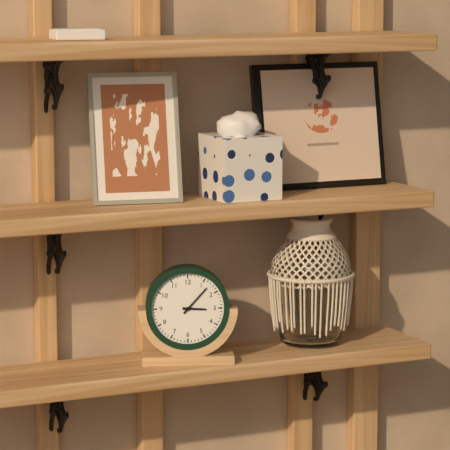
{"hour": 3, "minute": 7}
